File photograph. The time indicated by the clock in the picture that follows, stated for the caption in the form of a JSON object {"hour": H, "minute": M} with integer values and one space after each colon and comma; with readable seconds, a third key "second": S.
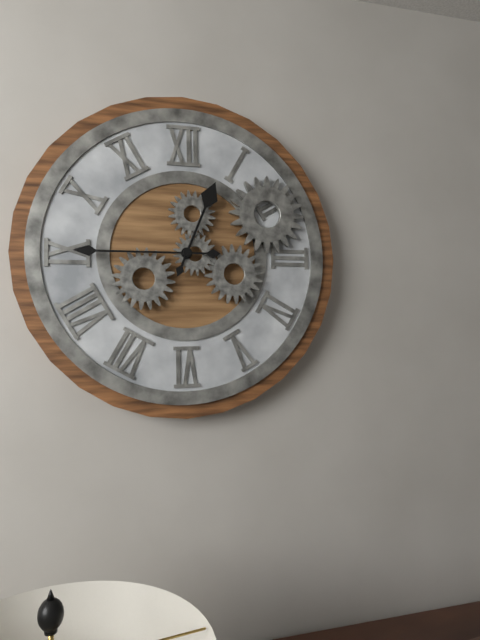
{"hour": 12, "minute": 45}
